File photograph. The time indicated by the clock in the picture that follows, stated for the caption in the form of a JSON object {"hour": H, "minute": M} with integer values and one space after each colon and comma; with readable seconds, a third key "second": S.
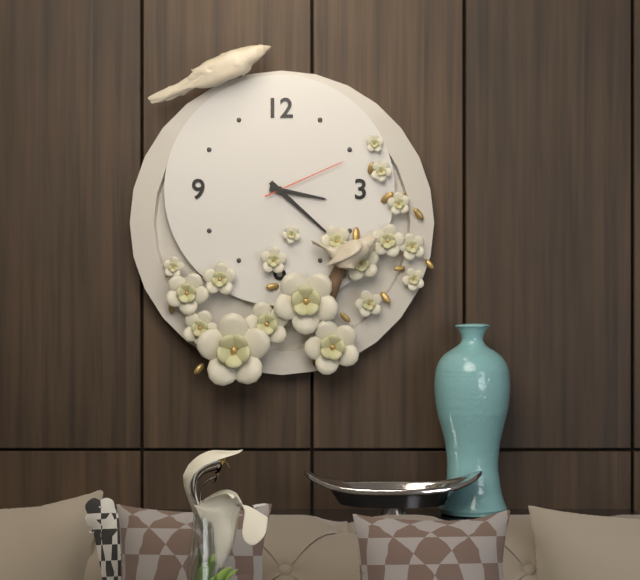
{"hour": 3, "minute": 22, "second": 11}
